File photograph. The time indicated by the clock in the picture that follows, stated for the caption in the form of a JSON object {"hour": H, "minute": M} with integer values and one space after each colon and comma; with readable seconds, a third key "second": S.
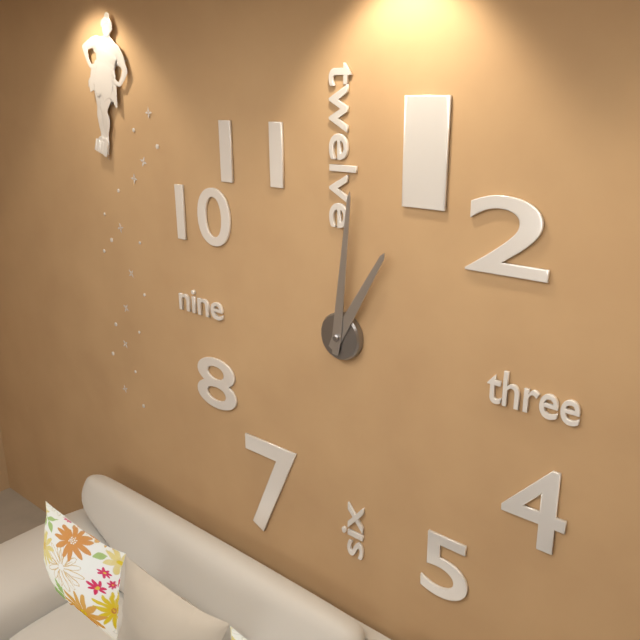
{"hour": 1, "minute": 1}
